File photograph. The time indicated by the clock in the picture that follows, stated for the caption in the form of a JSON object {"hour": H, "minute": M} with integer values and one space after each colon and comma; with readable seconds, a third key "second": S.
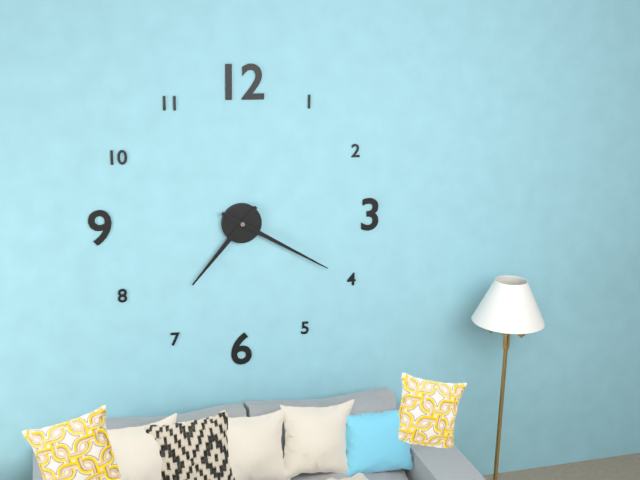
{"hour": 7, "minute": 20}
